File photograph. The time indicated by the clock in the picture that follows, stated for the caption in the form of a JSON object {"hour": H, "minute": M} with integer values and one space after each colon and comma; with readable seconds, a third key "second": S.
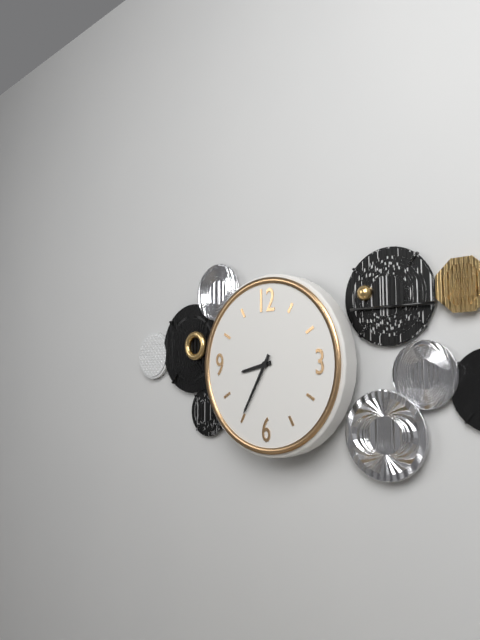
{"hour": 8, "minute": 35}
